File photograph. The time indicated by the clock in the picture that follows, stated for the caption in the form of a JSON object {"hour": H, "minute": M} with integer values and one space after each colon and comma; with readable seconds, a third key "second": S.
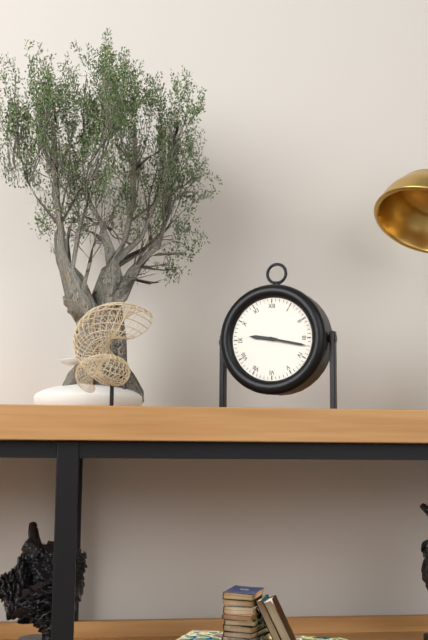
{"hour": 9, "minute": 17}
